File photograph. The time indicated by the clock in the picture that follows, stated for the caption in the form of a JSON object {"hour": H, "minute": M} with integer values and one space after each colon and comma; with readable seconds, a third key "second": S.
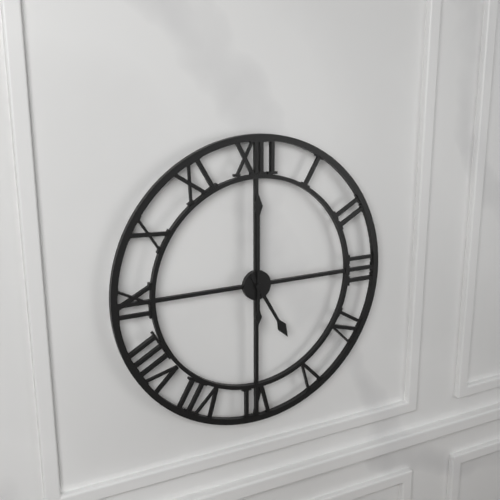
{"hour": 5, "minute": 0}
